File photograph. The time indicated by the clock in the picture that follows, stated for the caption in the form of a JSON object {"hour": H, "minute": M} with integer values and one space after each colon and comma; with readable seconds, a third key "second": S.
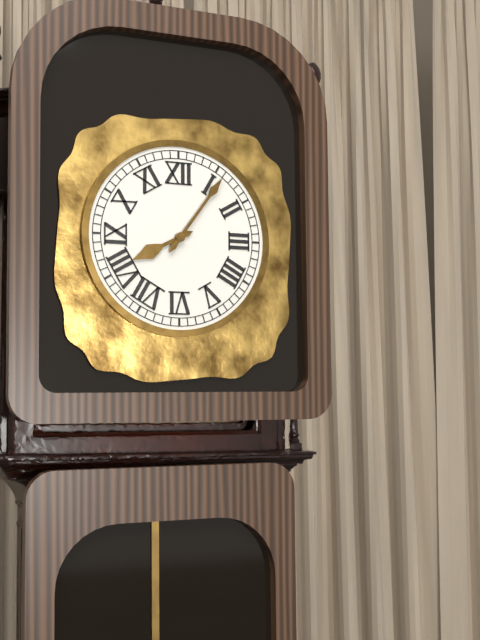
{"hour": 8, "minute": 6}
